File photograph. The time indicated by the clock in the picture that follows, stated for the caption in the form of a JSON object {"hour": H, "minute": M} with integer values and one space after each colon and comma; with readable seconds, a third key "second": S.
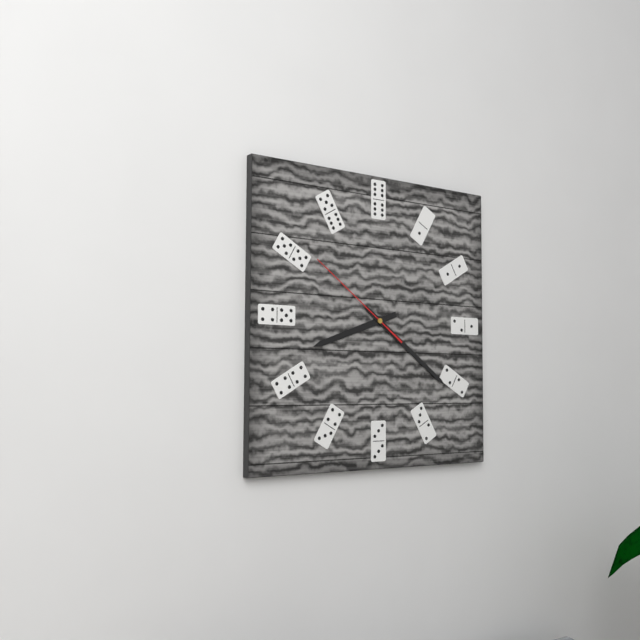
{"hour": 8, "minute": 21, "second": 51}
